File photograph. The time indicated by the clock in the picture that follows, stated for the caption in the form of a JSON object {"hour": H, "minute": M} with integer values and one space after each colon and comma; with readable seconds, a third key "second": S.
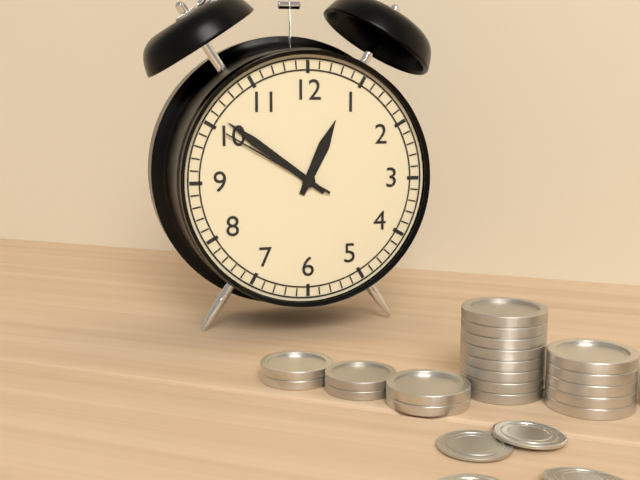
{"hour": 12, "minute": 51, "second": 50}
